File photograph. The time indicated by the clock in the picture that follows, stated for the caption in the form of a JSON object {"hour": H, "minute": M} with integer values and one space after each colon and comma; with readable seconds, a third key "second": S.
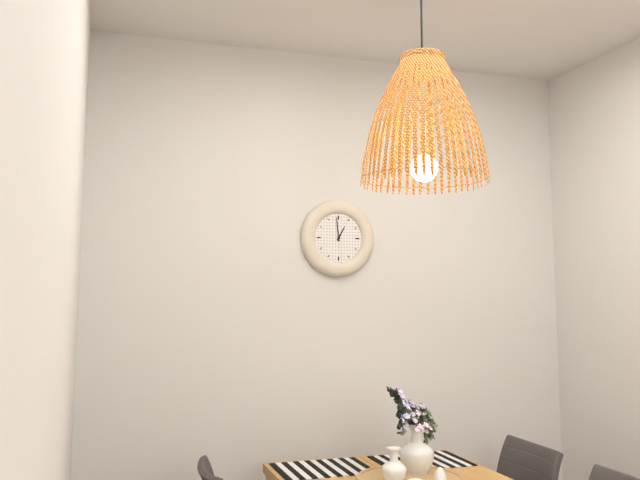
{"hour": 12, "minute": 59}
